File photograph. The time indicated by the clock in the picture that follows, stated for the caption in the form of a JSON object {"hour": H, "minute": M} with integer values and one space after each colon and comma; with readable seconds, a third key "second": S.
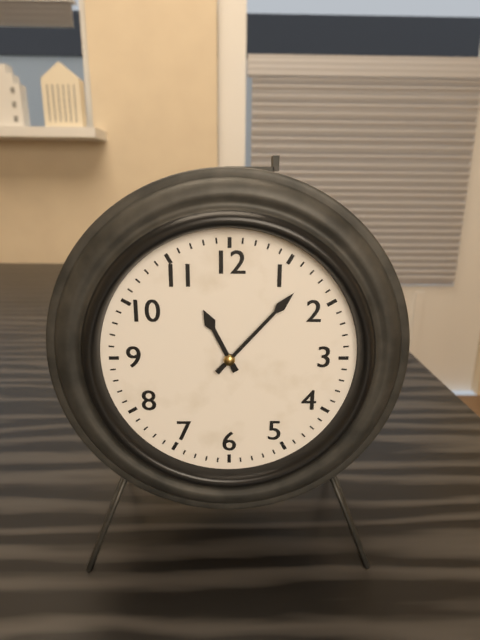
{"hour": 11, "minute": 7}
